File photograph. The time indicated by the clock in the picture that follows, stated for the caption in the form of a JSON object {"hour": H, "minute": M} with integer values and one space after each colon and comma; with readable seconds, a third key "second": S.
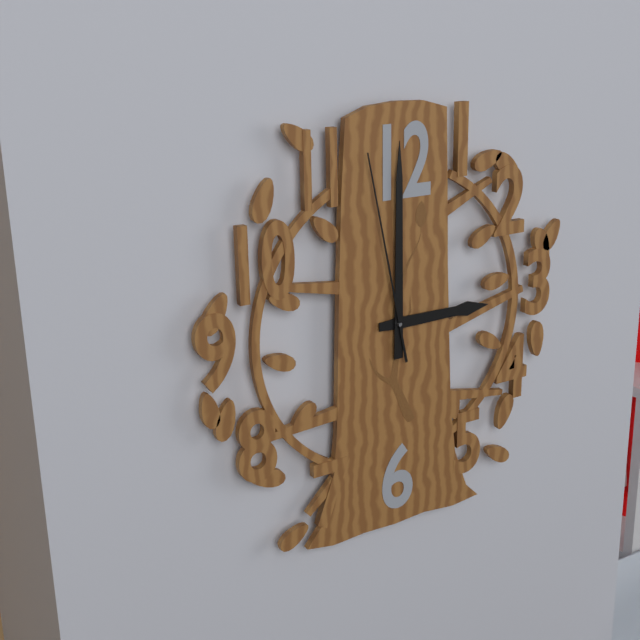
{"hour": 3, "minute": 0, "second": 58}
